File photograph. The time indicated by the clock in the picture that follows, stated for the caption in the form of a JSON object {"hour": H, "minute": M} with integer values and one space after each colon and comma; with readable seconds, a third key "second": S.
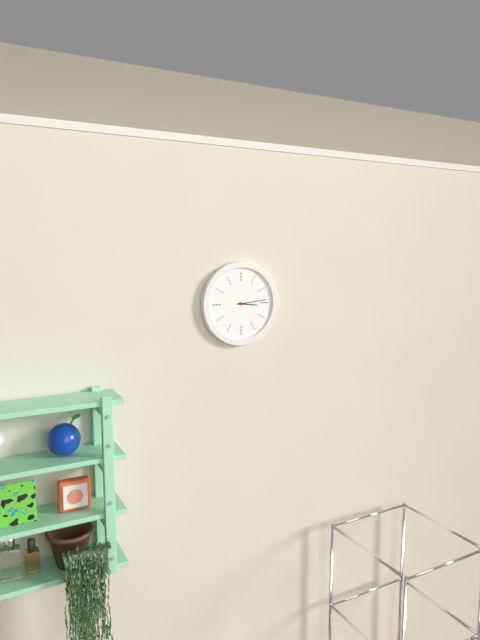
{"hour": 3, "minute": 14}
